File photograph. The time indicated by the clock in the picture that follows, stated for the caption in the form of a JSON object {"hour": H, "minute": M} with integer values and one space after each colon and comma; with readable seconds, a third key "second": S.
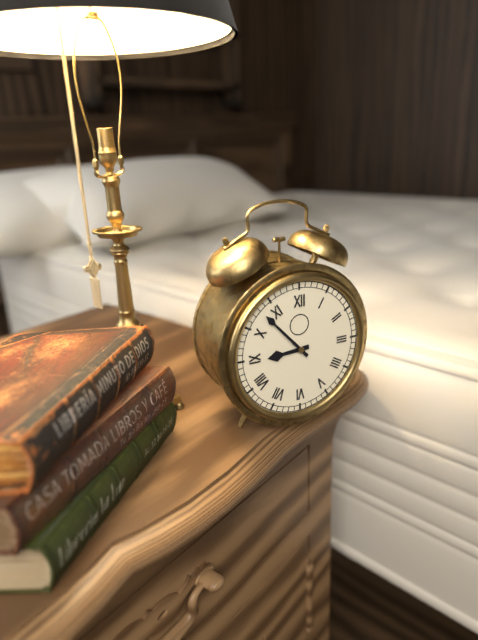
{"hour": 8, "minute": 53}
